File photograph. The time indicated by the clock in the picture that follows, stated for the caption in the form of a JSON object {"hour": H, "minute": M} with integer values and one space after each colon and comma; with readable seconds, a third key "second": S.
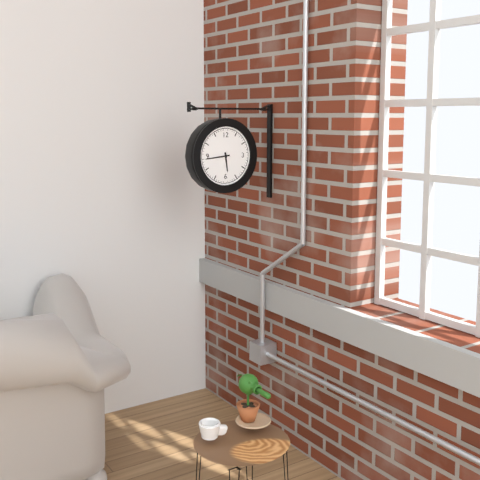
{"hour": 5, "minute": 44}
